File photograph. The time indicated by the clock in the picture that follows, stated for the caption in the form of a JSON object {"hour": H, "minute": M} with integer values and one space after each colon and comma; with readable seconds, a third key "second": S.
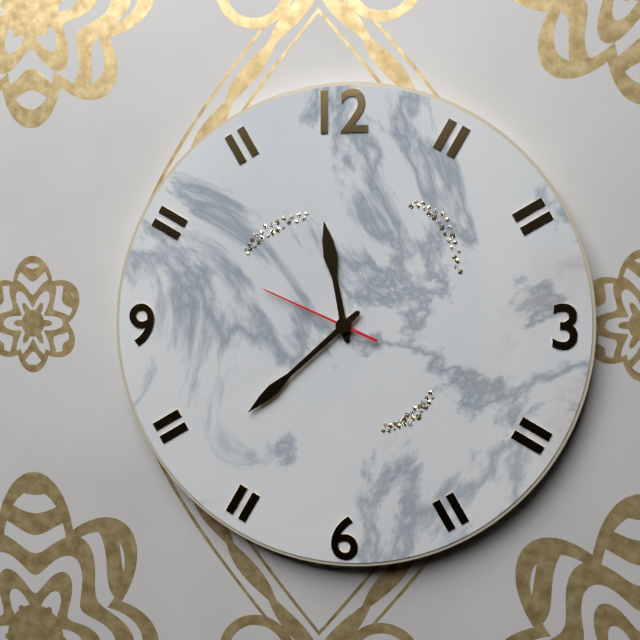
{"hour": 11, "minute": 38, "second": 49}
